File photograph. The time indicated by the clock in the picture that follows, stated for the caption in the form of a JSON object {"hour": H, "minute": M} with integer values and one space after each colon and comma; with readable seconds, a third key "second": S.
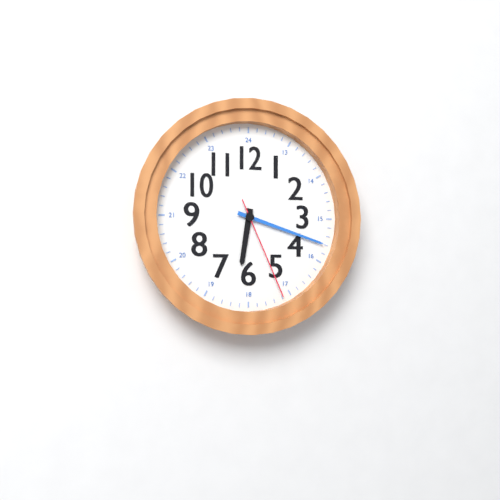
{"hour": 6, "minute": 18, "second": 26}
